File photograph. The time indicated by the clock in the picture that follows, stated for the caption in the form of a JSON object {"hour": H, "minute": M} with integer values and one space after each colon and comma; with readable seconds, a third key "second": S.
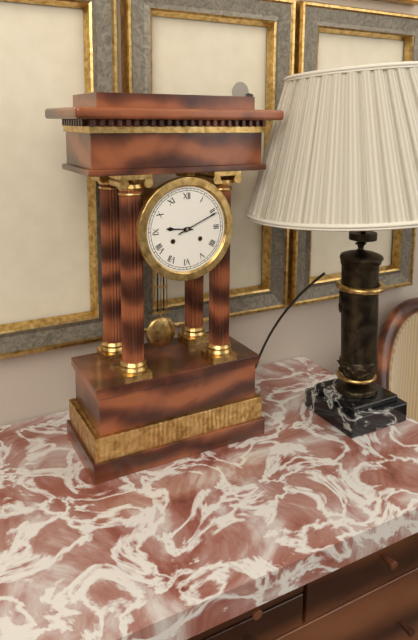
{"hour": 9, "minute": 11}
